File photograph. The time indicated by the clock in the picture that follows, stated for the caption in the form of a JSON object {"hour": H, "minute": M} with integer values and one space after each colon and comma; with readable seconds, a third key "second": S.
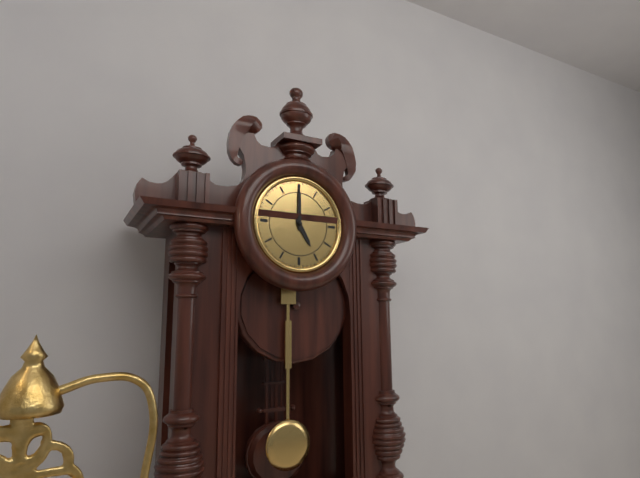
{"hour": 5, "minute": 0}
